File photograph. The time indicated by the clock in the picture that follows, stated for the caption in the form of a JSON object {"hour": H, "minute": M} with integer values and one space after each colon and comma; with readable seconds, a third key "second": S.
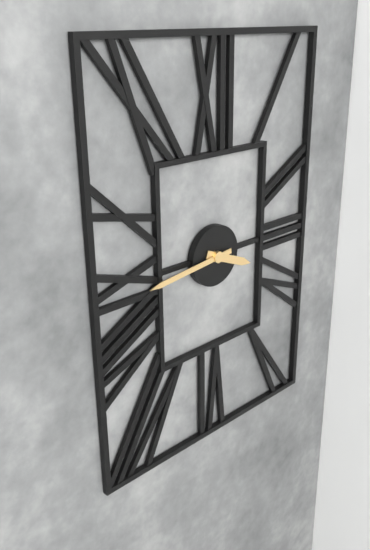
{"hour": 3, "minute": 44}
